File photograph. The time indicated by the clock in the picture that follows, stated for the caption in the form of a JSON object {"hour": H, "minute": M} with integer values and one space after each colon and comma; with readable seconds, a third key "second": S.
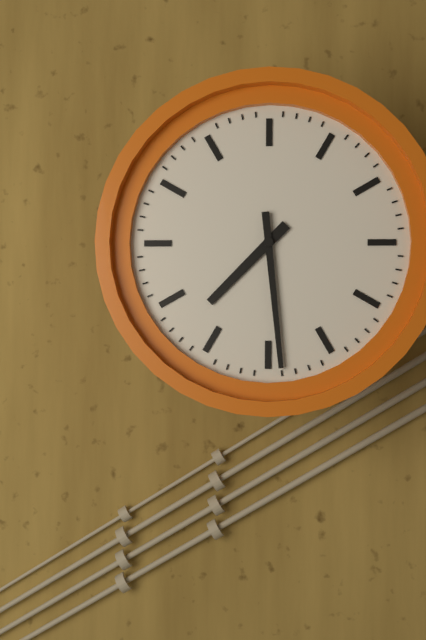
{"hour": 7, "minute": 29}
